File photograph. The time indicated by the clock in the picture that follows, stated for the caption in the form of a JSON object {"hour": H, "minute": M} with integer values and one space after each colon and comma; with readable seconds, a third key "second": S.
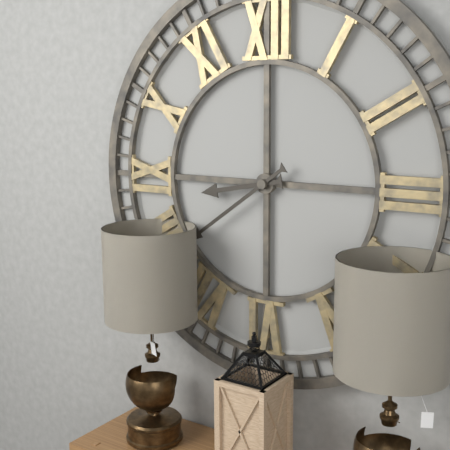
{"hour": 8, "minute": 39}
